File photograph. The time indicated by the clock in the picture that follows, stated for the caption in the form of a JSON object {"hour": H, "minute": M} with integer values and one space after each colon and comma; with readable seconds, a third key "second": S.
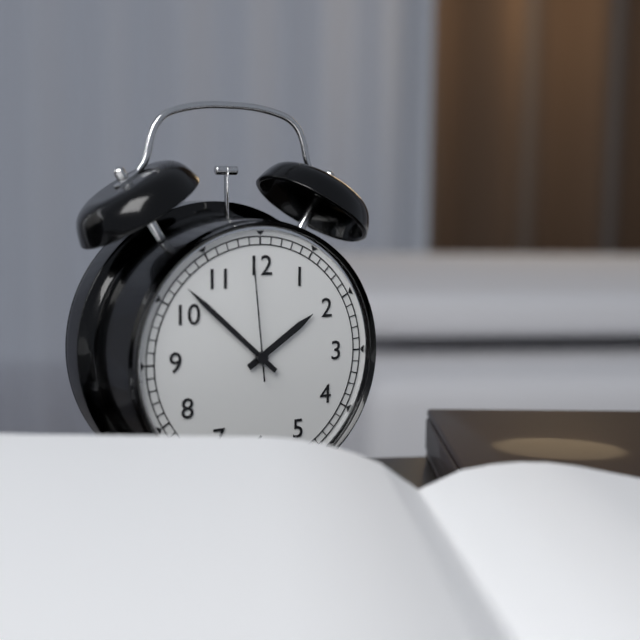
{"hour": 1, "minute": 52, "second": 59}
